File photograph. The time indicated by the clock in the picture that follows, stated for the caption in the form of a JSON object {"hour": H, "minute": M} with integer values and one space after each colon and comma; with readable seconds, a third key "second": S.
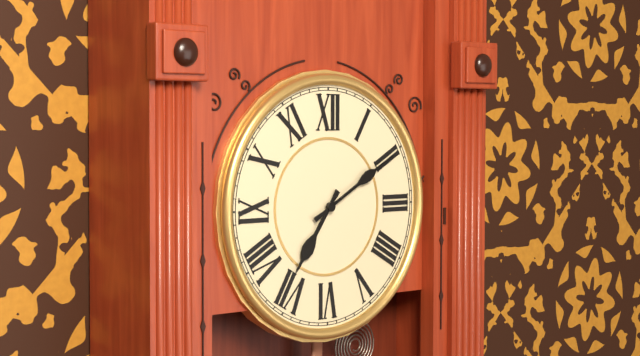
{"hour": 7, "minute": 10}
